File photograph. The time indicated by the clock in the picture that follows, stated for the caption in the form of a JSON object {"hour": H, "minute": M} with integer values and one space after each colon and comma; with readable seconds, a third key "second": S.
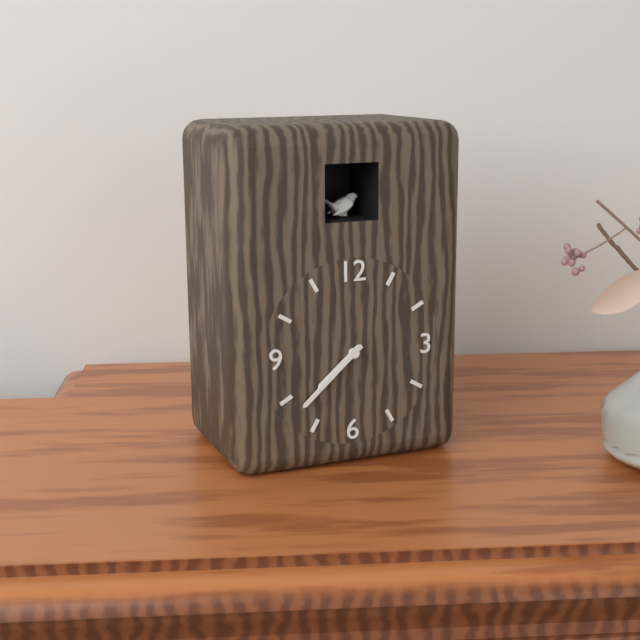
{"hour": 7, "minute": 38}
